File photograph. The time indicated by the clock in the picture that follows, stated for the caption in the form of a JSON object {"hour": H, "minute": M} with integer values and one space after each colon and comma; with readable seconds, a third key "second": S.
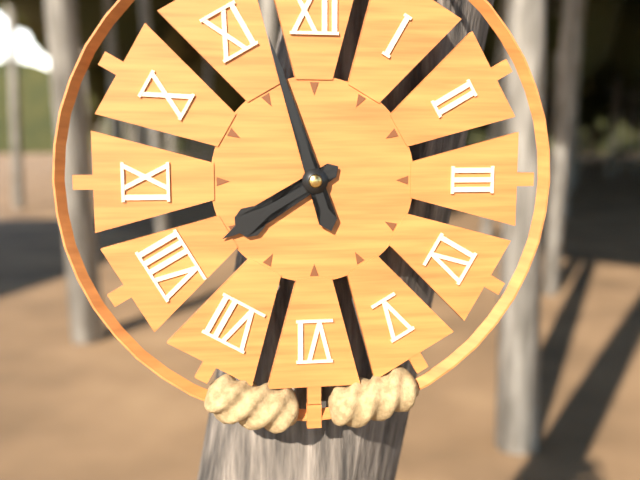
{"hour": 7, "minute": 57}
